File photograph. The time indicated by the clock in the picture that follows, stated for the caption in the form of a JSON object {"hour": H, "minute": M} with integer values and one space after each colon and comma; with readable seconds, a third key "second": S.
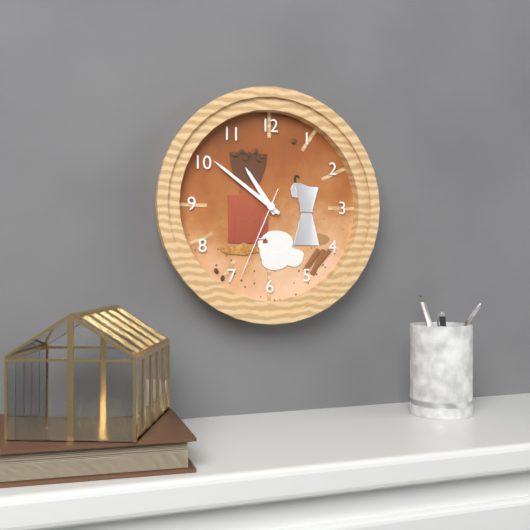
{"hour": 10, "minute": 51, "second": 34}
